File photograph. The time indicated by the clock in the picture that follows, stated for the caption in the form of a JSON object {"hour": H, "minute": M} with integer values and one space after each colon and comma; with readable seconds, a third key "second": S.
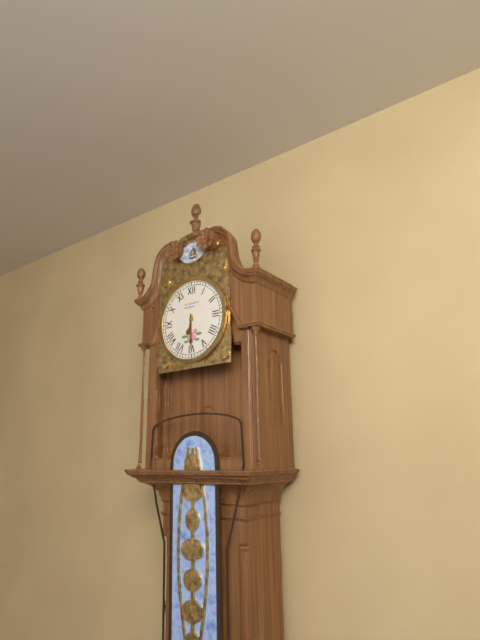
{"hour": 6, "minute": 30}
